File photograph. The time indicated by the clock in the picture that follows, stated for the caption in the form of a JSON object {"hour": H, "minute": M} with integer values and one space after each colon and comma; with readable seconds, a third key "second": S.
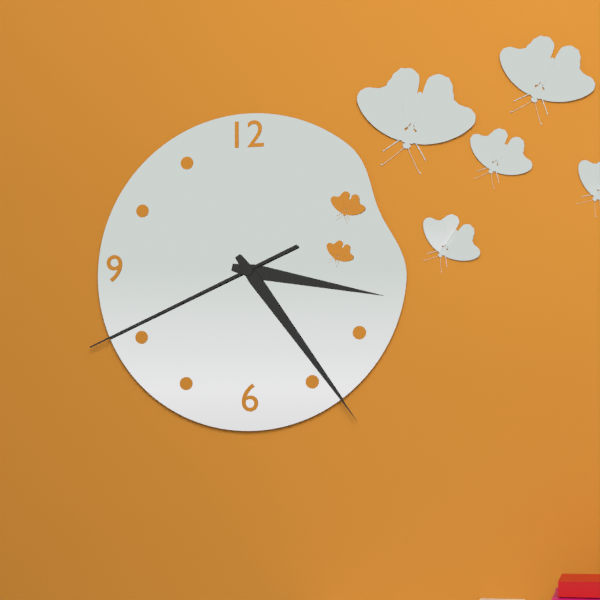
{"hour": 3, "minute": 24, "second": 41}
